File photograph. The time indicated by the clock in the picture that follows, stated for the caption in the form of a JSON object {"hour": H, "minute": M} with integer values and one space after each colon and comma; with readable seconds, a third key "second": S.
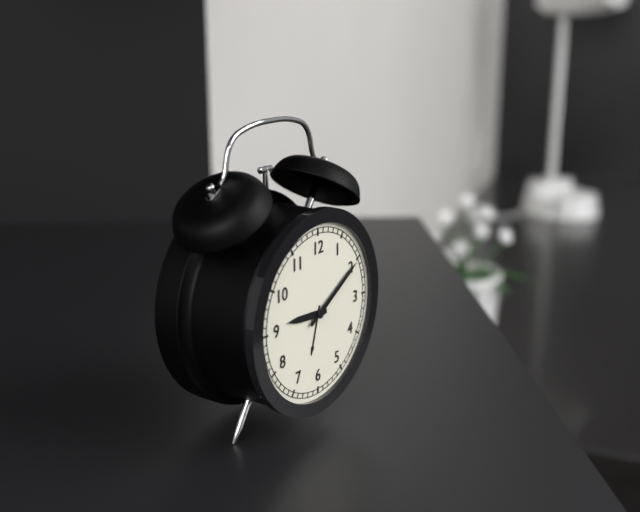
{"hour": 9, "minute": 10}
